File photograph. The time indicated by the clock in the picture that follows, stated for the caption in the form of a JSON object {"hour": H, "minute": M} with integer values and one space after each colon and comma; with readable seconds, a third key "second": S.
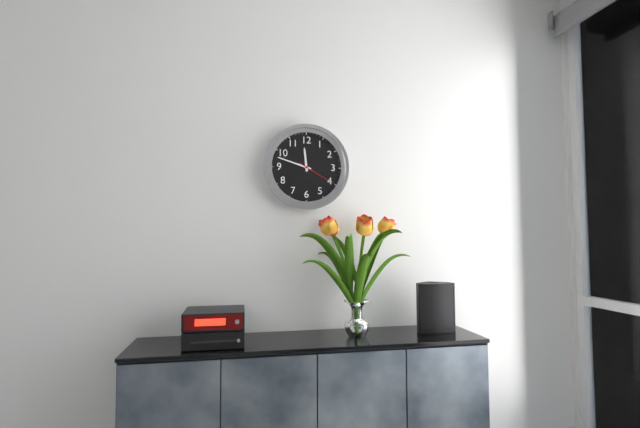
{"hour": 11, "minute": 48}
